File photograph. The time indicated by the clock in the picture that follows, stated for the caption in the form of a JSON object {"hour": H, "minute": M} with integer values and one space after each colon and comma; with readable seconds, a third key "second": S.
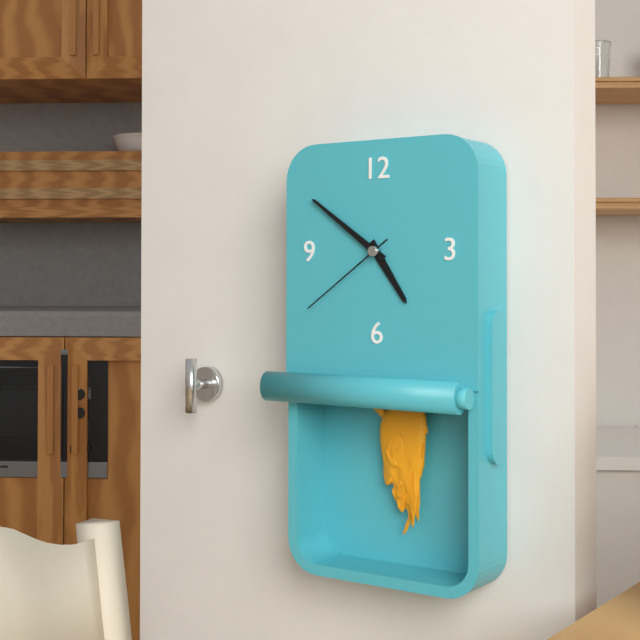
{"hour": 4, "minute": 51, "second": 39}
